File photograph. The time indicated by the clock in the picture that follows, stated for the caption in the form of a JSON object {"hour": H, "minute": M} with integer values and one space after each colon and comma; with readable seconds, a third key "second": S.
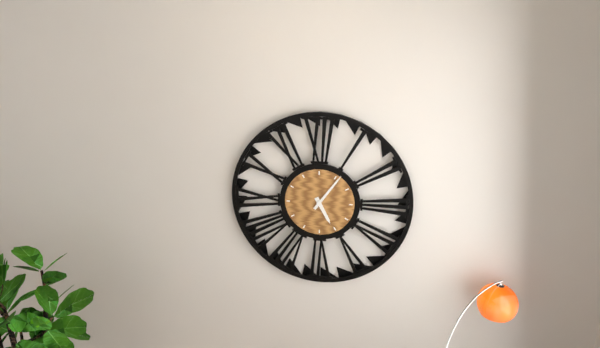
{"hour": 5, "minute": 6}
